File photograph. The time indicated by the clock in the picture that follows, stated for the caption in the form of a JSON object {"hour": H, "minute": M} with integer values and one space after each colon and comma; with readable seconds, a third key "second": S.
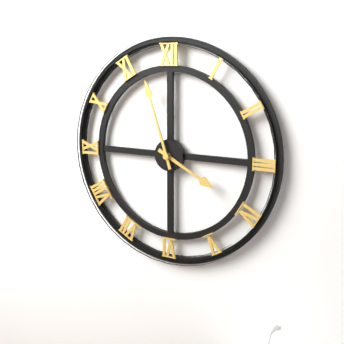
{"hour": 3, "minute": 57}
